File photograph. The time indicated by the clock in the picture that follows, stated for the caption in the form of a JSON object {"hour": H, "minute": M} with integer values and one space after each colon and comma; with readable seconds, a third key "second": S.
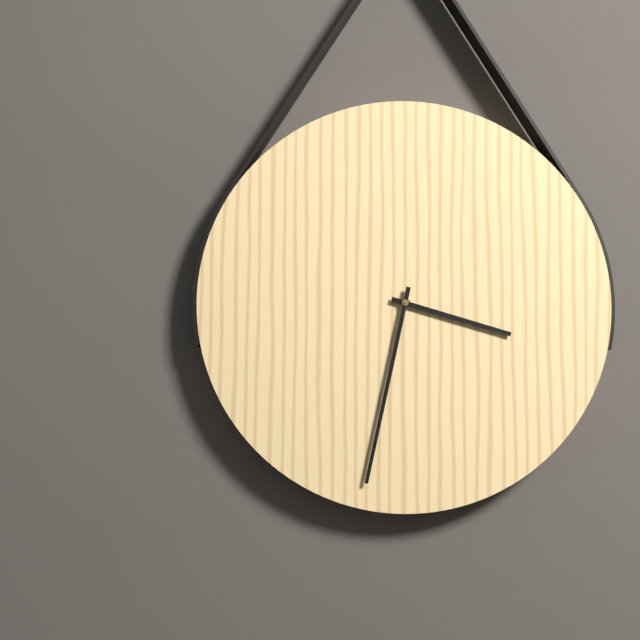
{"hour": 3, "minute": 32}
